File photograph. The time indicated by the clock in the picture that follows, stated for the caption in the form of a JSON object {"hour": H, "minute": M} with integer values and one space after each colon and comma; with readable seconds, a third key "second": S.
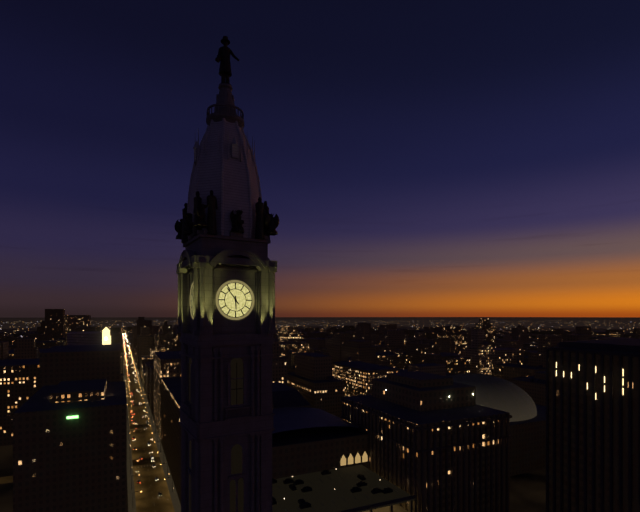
{"hour": 5, "minute": 54}
